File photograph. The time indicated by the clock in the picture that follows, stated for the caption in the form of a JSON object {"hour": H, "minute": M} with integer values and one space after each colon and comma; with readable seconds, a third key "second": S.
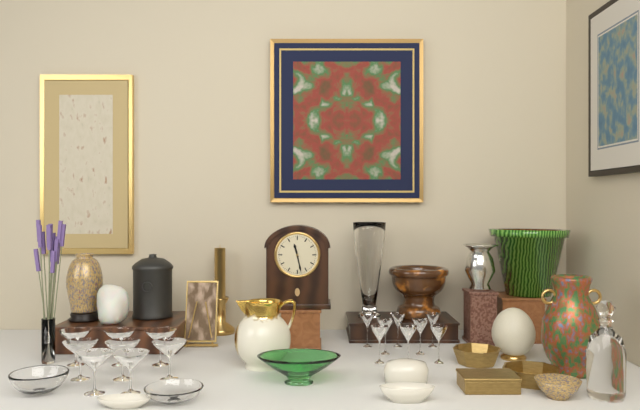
{"hour": 11, "minute": 28}
